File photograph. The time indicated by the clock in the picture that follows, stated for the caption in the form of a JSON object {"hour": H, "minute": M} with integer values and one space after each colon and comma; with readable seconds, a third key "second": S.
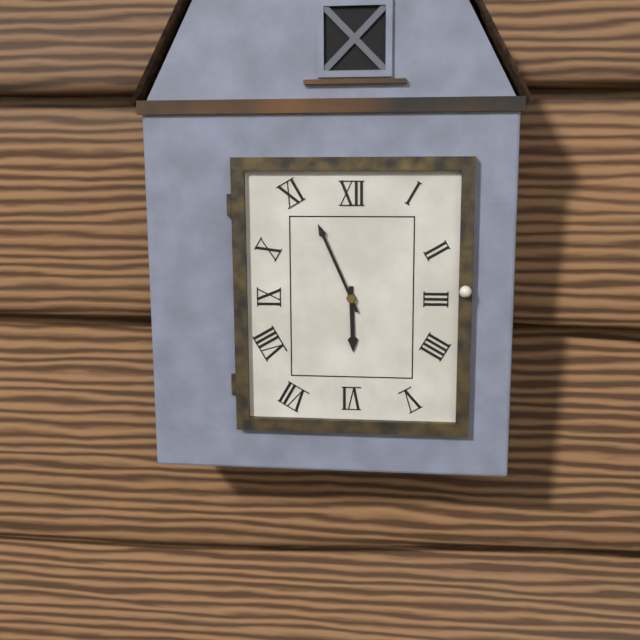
{"hour": 5, "minute": 56}
